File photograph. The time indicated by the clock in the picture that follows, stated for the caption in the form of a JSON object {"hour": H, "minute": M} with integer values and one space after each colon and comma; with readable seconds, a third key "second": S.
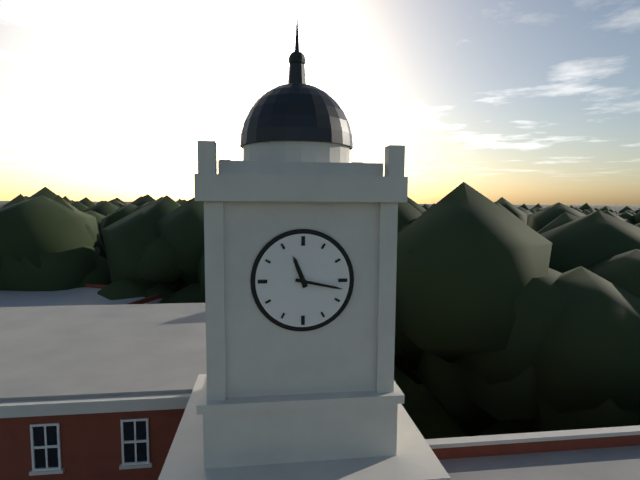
{"hour": 11, "minute": 17}
